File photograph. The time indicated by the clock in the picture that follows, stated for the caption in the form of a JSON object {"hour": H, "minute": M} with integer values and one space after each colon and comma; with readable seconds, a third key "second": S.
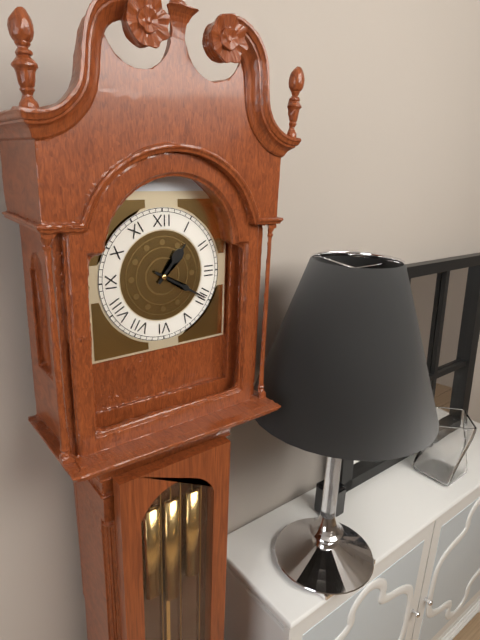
{"hour": 1, "minute": 20}
